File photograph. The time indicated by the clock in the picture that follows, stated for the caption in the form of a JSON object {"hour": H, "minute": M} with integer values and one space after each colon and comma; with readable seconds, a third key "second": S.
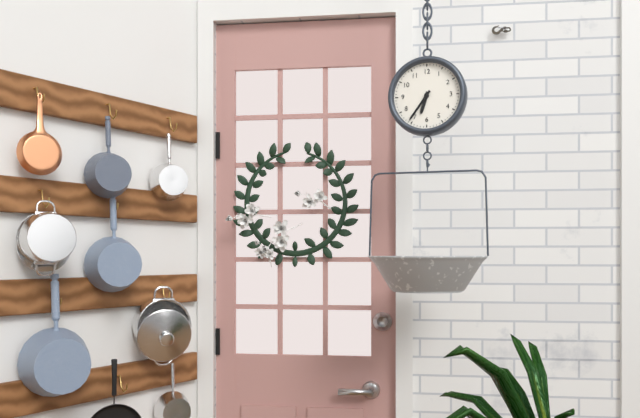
{"hour": 6, "minute": 36}
